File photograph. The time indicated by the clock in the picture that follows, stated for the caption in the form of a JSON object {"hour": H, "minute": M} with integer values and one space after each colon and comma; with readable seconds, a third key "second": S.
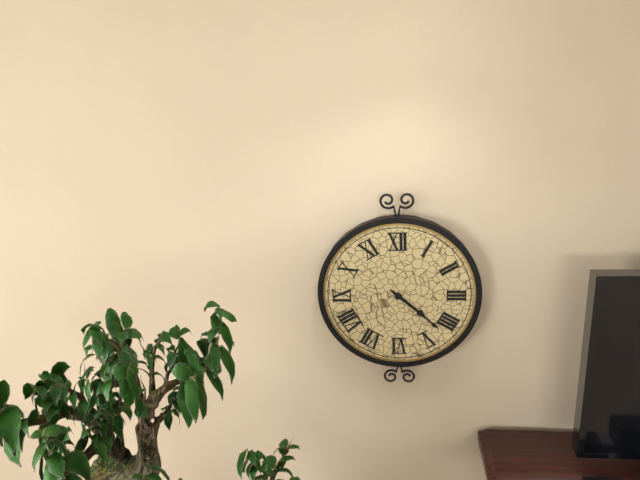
{"hour": 4, "minute": 22}
